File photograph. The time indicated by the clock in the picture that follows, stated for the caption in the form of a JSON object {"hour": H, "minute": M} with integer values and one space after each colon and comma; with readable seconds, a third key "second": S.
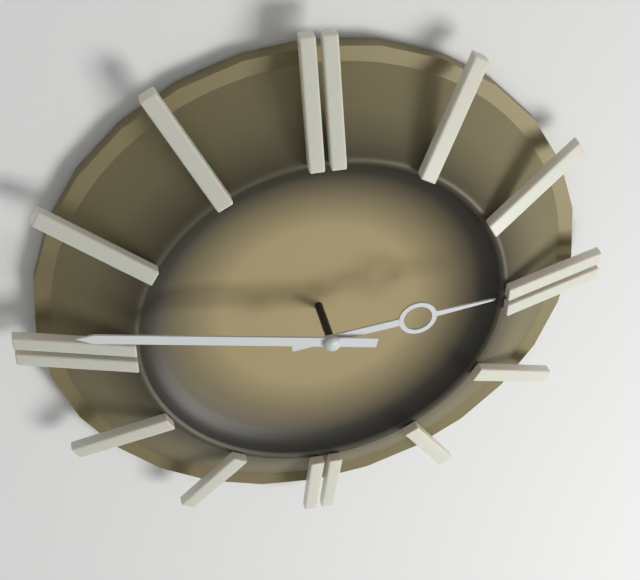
{"hour": 2, "minute": 47}
